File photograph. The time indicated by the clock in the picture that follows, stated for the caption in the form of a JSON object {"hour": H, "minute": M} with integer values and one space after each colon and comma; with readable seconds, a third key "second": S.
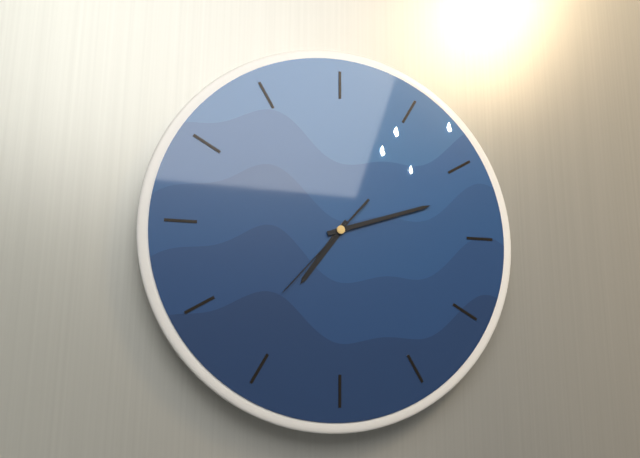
{"hour": 7, "minute": 12, "second": 37}
